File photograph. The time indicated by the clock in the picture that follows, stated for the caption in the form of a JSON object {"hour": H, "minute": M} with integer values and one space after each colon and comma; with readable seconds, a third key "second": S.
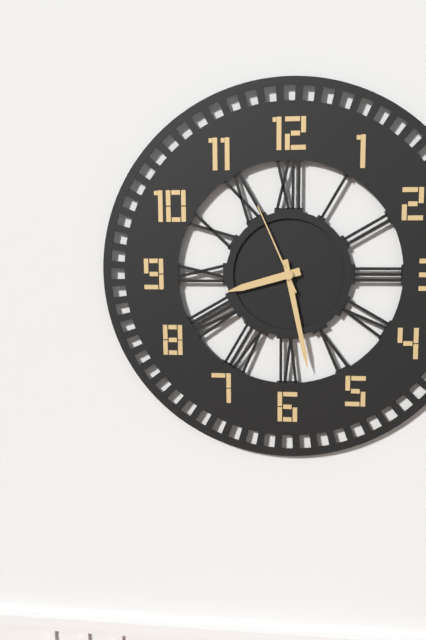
{"hour": 8, "minute": 28, "second": 56}
